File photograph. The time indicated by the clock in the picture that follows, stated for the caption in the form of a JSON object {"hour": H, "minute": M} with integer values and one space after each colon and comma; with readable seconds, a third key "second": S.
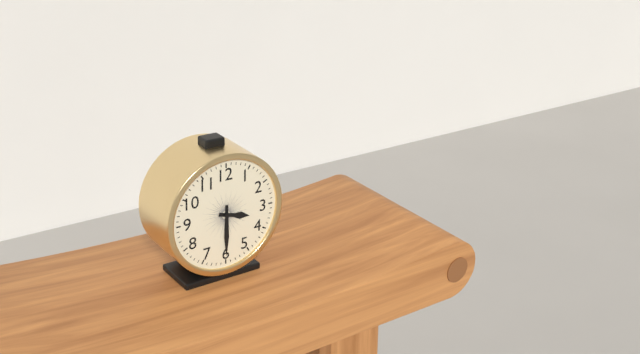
{"hour": 3, "minute": 30}
